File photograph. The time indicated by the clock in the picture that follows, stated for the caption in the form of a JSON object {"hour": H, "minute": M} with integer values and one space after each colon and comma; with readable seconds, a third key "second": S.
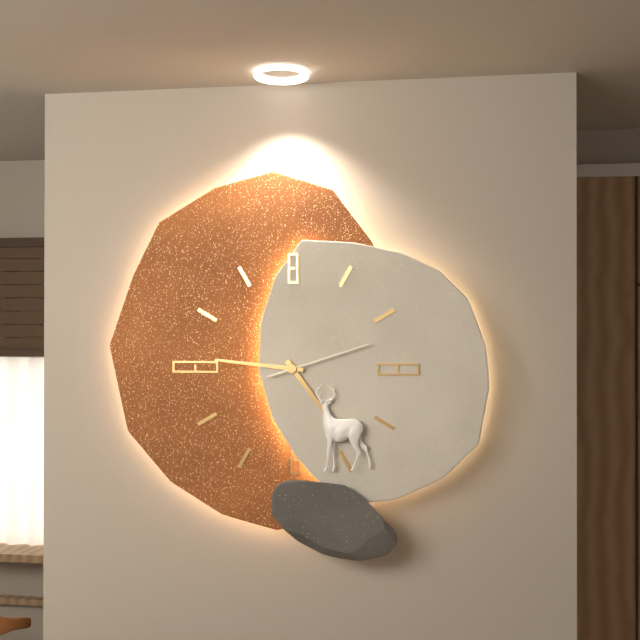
{"hour": 4, "minute": 46, "second": 12}
